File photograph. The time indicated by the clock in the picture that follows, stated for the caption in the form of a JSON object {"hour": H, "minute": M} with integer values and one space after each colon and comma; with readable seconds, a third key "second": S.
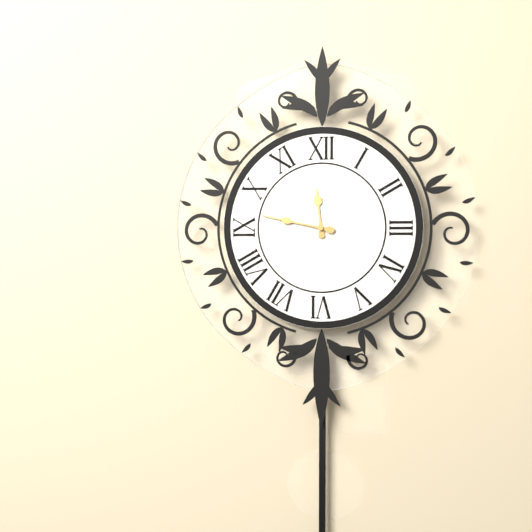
{"hour": 11, "minute": 47}
